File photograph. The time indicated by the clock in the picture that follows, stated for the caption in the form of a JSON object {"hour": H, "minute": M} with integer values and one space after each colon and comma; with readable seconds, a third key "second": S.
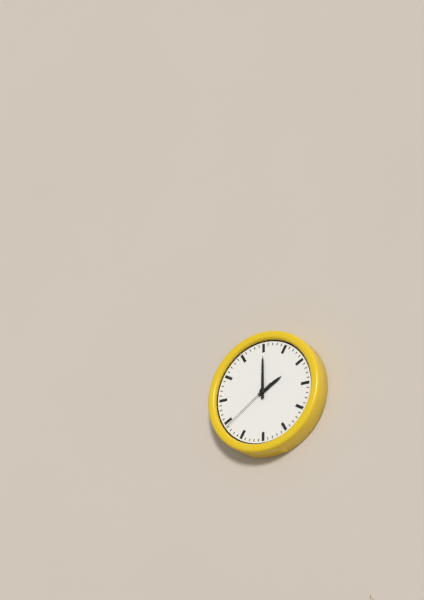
{"hour": 2, "minute": 0, "second": 39}
